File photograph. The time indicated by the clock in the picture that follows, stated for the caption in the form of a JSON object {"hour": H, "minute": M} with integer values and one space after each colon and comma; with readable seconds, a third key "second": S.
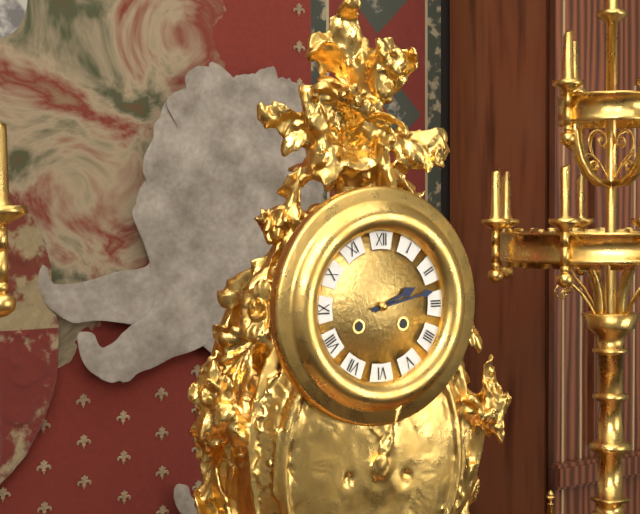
{"hour": 2, "minute": 13}
